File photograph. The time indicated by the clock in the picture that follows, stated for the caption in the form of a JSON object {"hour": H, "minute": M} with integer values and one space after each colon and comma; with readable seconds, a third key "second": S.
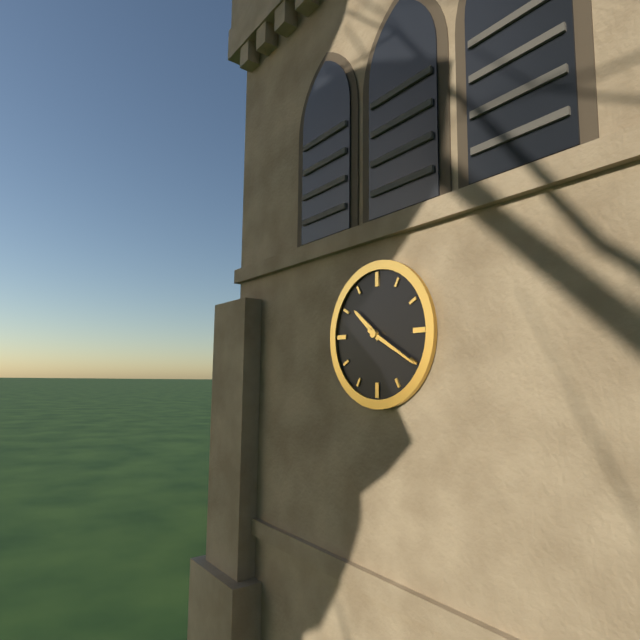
{"hour": 10, "minute": 20}
